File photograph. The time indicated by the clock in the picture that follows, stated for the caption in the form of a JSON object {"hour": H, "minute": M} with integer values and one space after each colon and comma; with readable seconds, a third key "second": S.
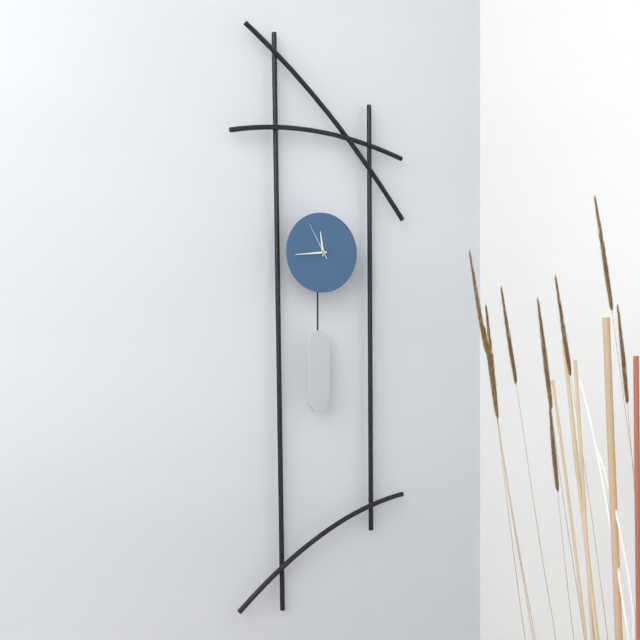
{"hour": 11, "minute": 44}
